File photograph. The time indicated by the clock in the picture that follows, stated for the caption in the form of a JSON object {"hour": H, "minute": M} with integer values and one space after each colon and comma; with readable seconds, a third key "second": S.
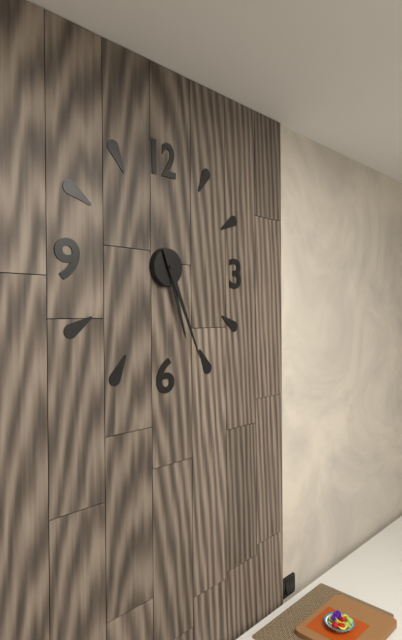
{"hour": 5, "minute": 26}
